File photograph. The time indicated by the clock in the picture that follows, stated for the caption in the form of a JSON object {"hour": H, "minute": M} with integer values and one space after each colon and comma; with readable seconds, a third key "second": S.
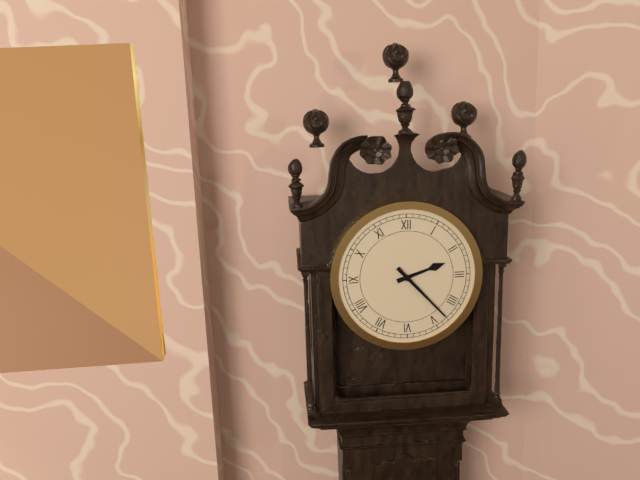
{"hour": 2, "minute": 23}
